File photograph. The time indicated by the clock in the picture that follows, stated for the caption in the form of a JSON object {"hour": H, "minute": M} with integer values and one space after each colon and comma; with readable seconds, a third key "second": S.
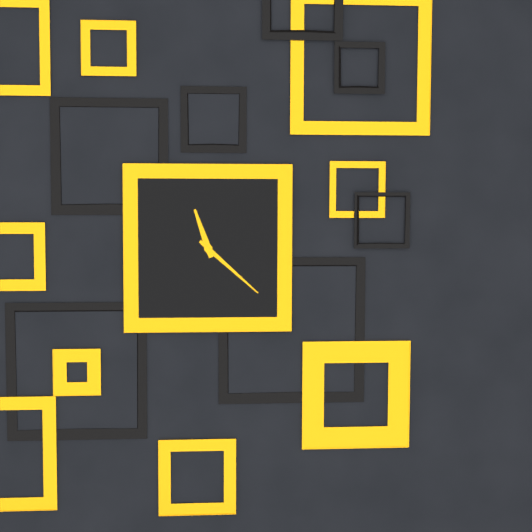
{"hour": 11, "minute": 22}
